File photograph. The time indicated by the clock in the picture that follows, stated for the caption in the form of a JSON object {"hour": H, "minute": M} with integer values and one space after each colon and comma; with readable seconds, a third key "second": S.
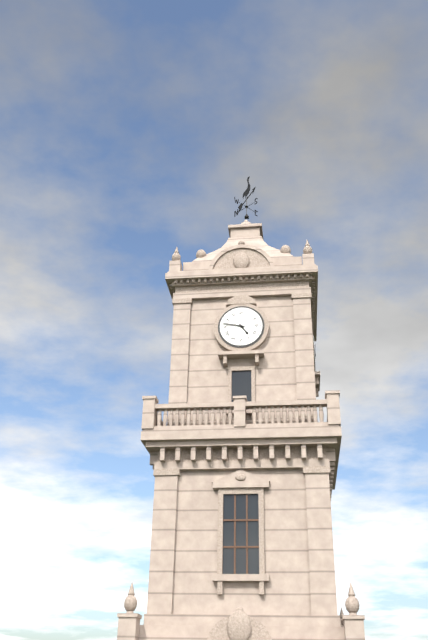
{"hour": 4, "minute": 47}
